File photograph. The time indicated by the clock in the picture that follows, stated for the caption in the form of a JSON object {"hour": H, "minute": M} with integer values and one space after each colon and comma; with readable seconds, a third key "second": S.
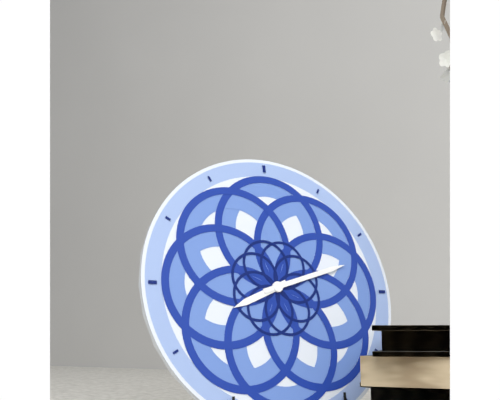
{"hour": 8, "minute": 12}
